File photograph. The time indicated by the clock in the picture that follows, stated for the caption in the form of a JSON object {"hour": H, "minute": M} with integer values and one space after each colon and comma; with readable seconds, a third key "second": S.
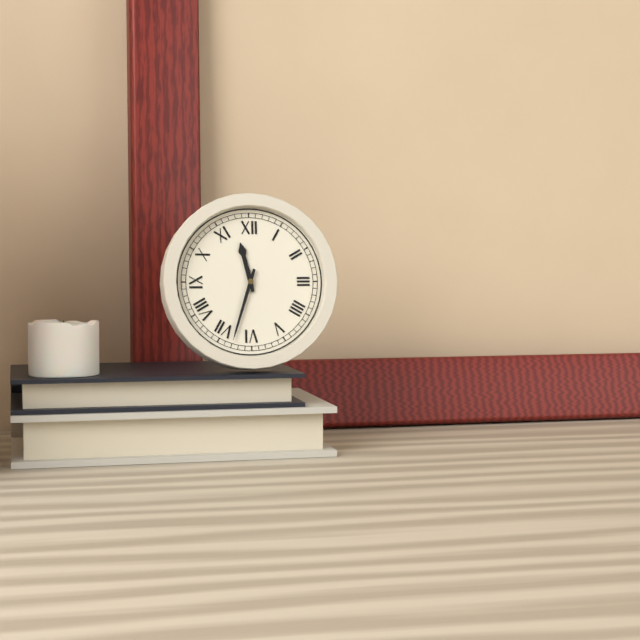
{"hour": 11, "minute": 33}
